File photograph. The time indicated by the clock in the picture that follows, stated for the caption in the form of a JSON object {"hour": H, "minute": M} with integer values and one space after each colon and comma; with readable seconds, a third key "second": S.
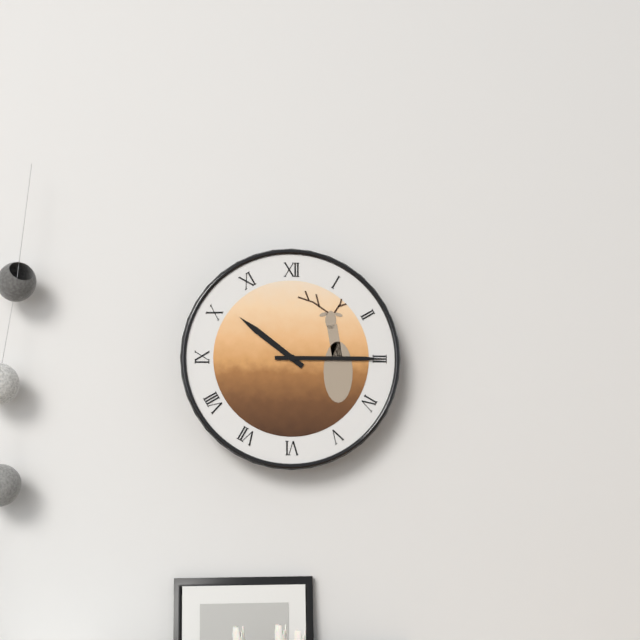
{"hour": 10, "minute": 15}
